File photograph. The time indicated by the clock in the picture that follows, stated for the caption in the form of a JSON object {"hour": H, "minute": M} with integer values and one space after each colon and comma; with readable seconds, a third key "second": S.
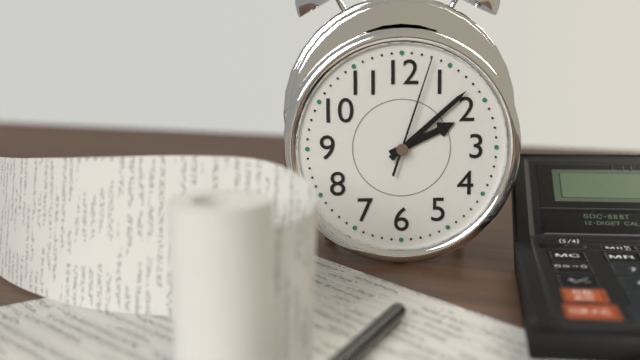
{"hour": 2, "minute": 8, "second": 3}
